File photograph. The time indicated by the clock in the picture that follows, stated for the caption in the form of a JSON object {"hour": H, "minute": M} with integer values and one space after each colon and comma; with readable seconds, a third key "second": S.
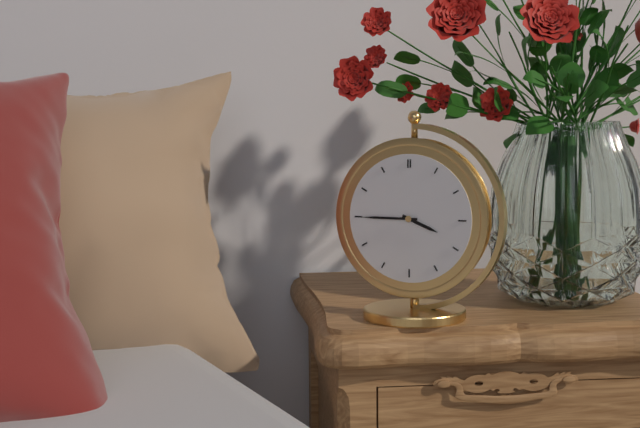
{"hour": 3, "minute": 45}
